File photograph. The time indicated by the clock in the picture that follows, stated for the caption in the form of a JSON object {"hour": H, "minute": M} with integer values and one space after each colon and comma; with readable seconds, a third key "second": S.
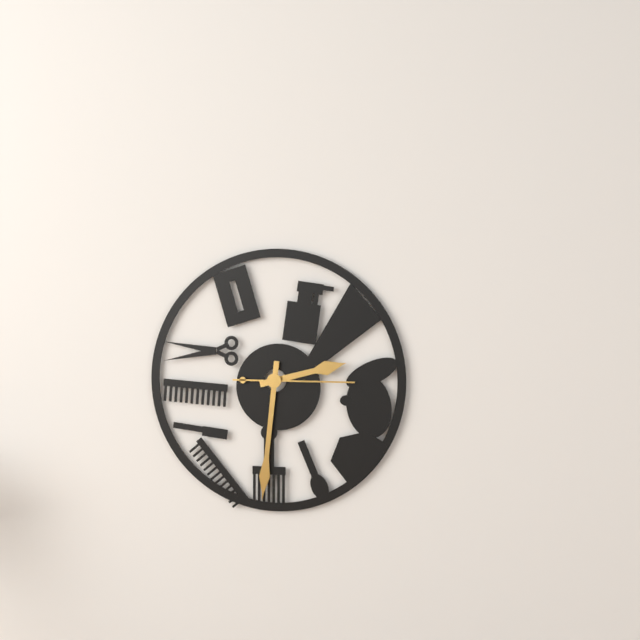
{"hour": 2, "minute": 31, "second": 15}
